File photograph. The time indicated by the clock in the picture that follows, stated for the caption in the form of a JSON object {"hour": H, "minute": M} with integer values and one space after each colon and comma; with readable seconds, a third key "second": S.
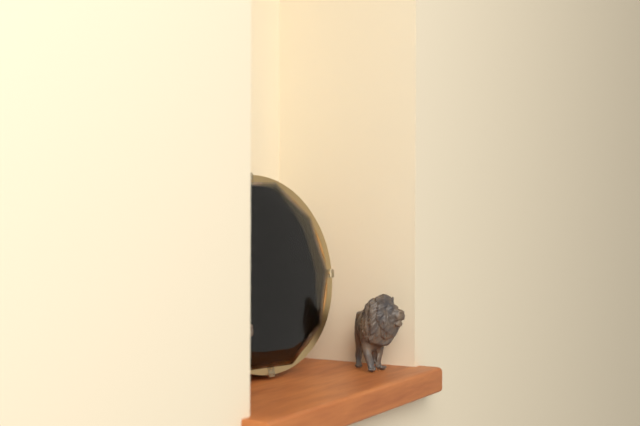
{"hour": 12, "minute": 10, "second": 8}
